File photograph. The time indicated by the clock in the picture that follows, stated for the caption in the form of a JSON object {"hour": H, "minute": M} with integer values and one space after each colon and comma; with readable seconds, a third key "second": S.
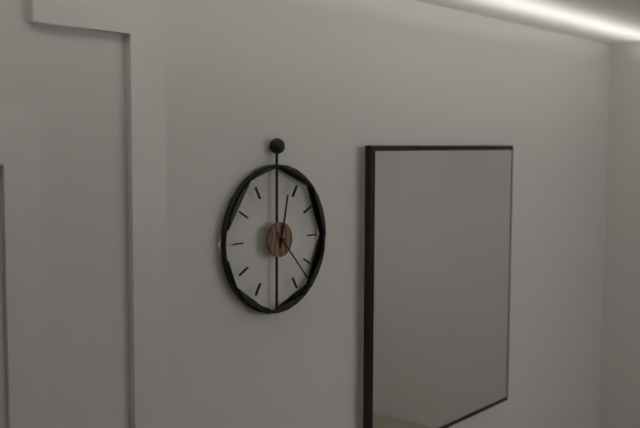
{"hour": 12, "minute": 23}
